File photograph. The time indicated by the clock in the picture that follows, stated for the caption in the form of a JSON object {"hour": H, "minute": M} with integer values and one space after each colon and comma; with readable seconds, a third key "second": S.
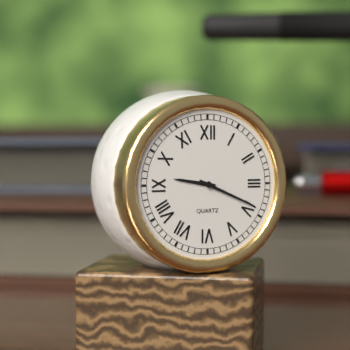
{"hour": 9, "minute": 19}
